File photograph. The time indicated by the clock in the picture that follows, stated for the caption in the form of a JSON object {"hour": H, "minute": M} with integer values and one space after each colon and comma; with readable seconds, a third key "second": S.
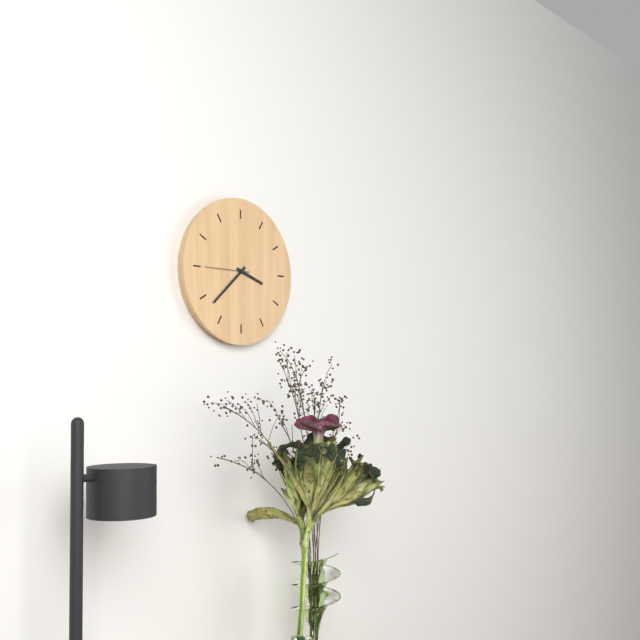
{"hour": 3, "minute": 38}
